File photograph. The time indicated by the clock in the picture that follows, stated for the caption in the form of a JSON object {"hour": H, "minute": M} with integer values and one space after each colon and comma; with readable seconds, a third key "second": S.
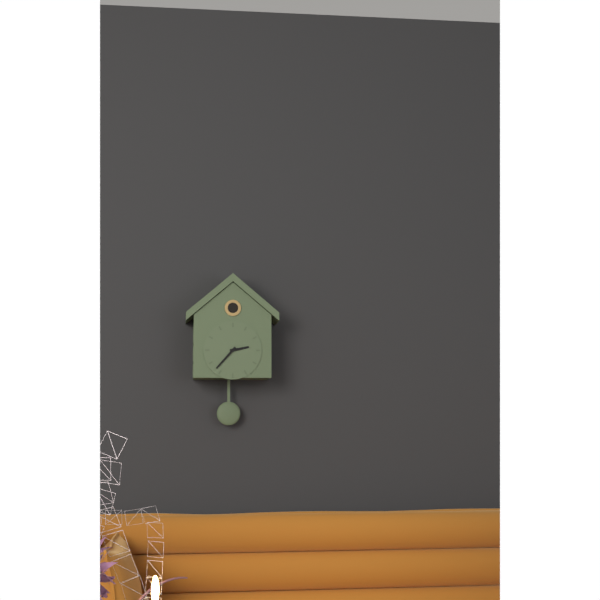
{"hour": 2, "minute": 37}
